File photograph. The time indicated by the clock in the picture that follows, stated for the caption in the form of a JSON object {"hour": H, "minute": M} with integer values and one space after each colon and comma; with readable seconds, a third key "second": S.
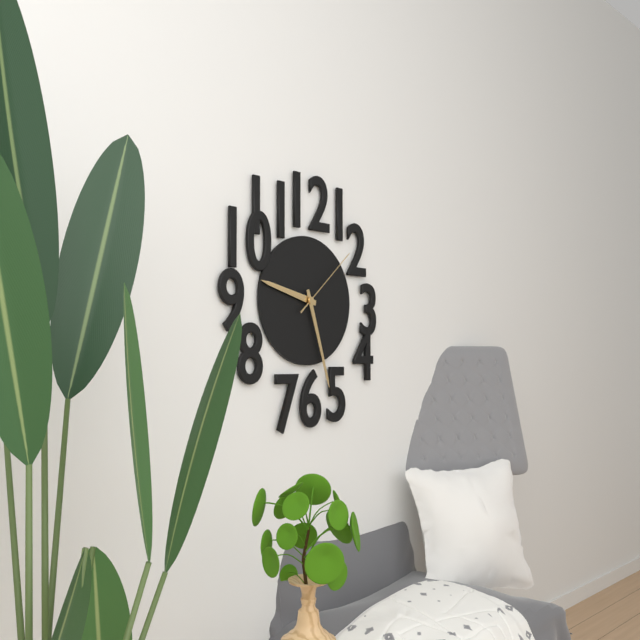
{"hour": 9, "minute": 27, "second": 8}
